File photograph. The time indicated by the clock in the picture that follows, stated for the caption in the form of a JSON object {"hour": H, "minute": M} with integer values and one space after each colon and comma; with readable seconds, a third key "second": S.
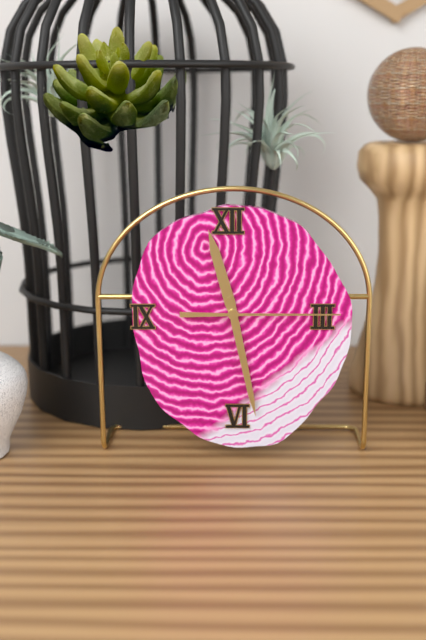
{"hour": 11, "minute": 28, "second": 15}
